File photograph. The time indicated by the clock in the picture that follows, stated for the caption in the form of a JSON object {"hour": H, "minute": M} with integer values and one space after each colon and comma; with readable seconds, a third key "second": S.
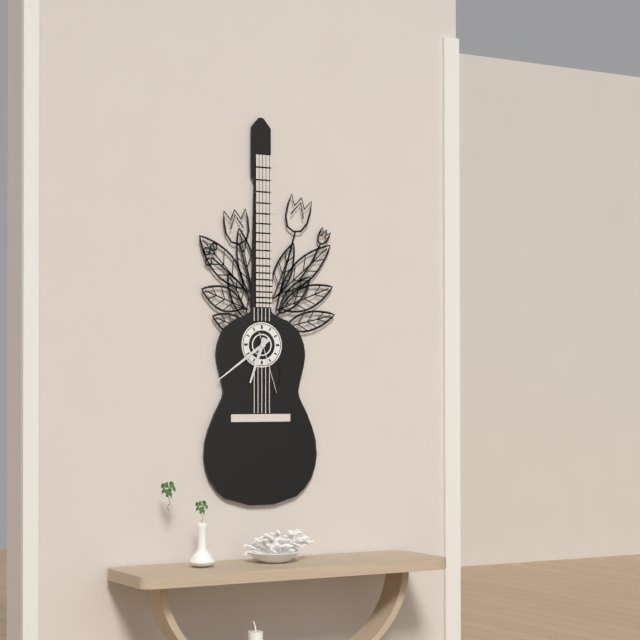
{"hour": 6, "minute": 39, "second": 27}
